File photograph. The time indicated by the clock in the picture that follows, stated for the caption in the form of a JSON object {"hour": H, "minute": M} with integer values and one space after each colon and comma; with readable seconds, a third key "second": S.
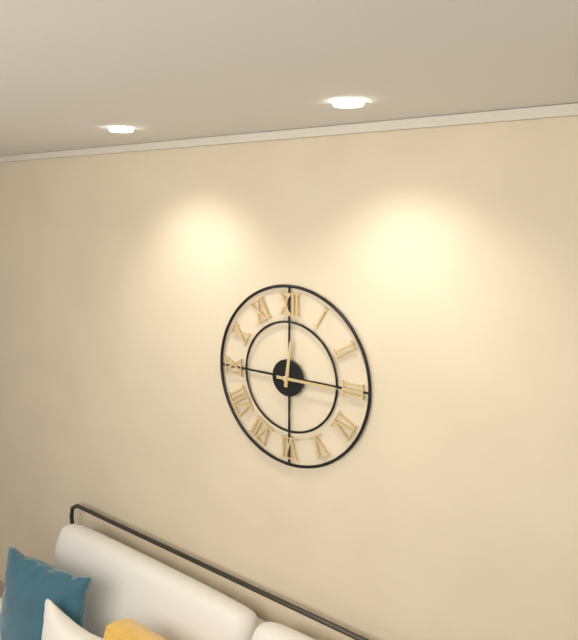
{"hour": 12, "minute": 15}
